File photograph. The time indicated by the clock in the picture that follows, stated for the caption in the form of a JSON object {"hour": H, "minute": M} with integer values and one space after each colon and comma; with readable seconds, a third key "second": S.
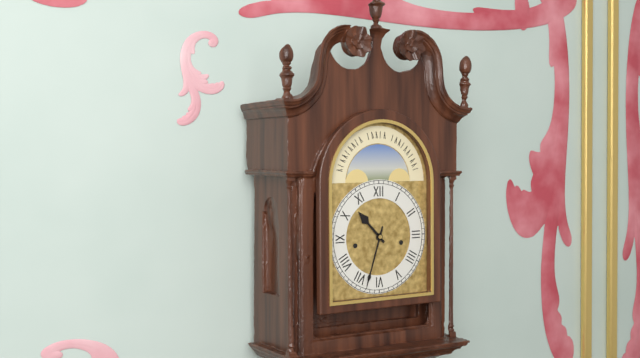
{"hour": 10, "minute": 33}
